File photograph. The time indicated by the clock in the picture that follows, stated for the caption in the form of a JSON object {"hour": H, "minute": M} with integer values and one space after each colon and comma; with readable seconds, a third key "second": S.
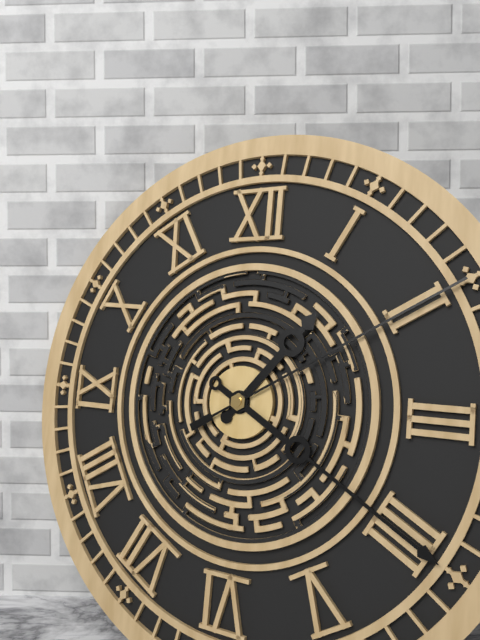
{"hour": 1, "minute": 20, "second": 10}
